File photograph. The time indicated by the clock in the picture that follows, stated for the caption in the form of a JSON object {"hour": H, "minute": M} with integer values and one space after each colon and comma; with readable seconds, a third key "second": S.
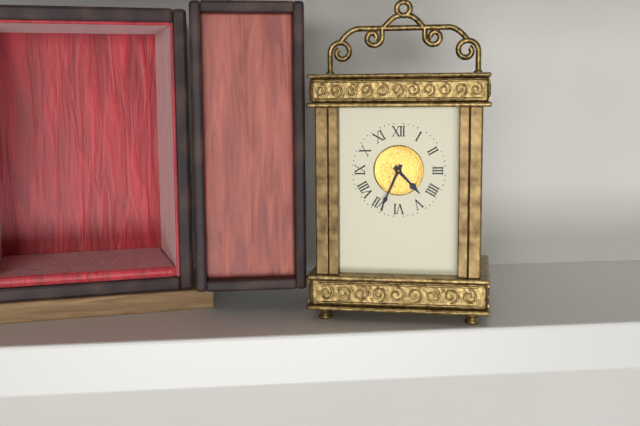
{"hour": 4, "minute": 34}
